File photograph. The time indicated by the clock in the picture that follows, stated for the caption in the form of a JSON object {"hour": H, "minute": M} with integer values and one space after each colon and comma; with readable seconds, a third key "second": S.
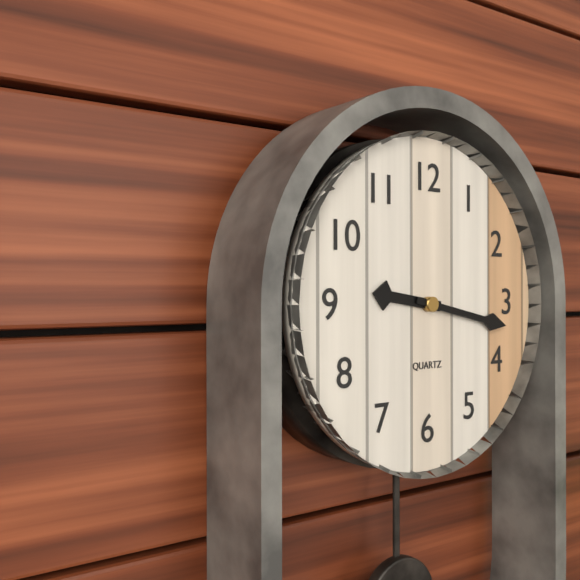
{"hour": 9, "minute": 17}
